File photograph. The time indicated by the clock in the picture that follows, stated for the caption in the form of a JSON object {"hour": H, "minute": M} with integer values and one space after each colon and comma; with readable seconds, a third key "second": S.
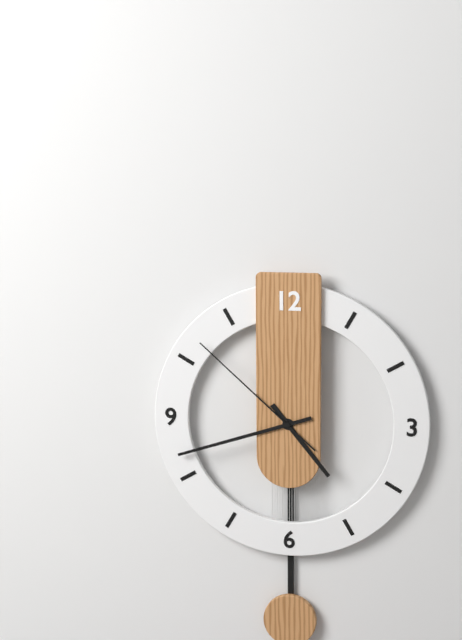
{"hour": 4, "minute": 42, "second": 52}
